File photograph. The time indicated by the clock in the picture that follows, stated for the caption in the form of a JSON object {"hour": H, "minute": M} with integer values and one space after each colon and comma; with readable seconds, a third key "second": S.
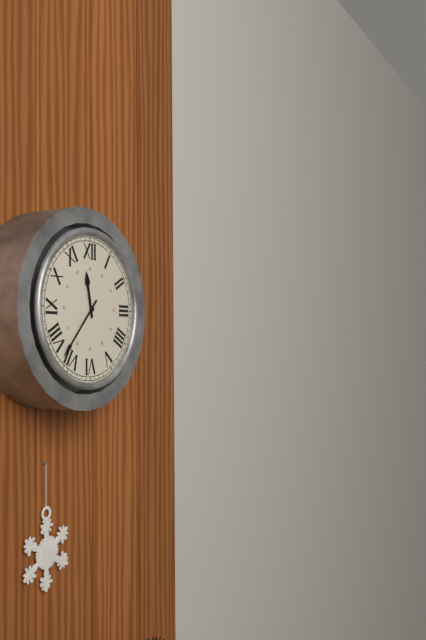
{"hour": 11, "minute": 37}
